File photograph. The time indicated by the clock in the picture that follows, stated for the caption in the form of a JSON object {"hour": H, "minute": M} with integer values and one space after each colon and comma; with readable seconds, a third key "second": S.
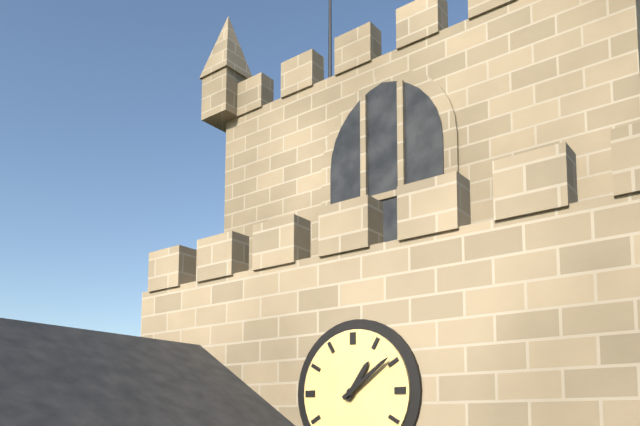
{"hour": 1, "minute": 9}
